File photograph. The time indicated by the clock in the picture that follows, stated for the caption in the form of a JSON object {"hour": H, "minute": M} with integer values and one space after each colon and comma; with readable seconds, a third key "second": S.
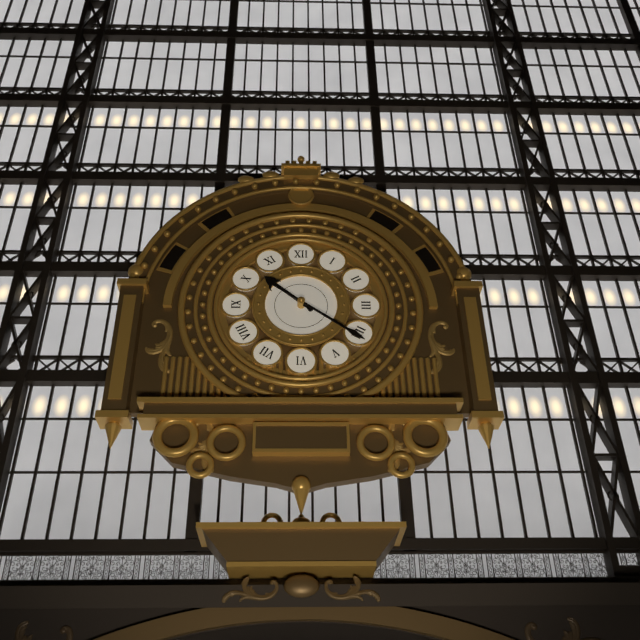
{"hour": 10, "minute": 21}
